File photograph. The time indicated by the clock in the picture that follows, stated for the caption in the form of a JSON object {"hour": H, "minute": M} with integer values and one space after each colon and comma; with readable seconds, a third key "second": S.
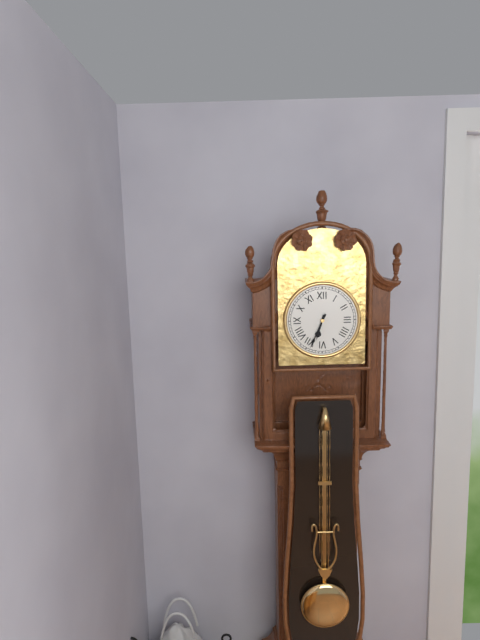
{"hour": 6, "minute": 34}
